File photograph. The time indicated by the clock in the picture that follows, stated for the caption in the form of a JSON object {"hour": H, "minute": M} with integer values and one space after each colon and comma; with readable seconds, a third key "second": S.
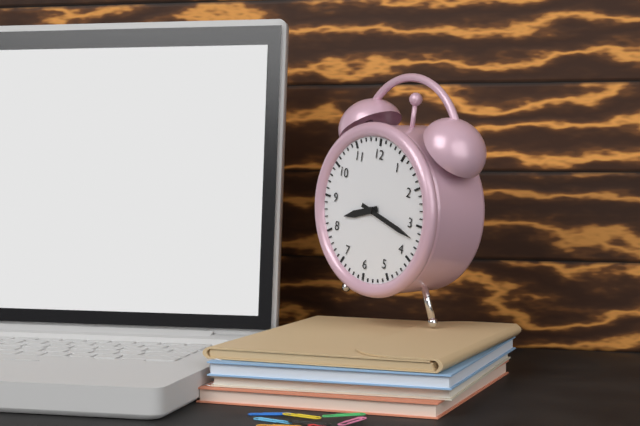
{"hour": 8, "minute": 17}
